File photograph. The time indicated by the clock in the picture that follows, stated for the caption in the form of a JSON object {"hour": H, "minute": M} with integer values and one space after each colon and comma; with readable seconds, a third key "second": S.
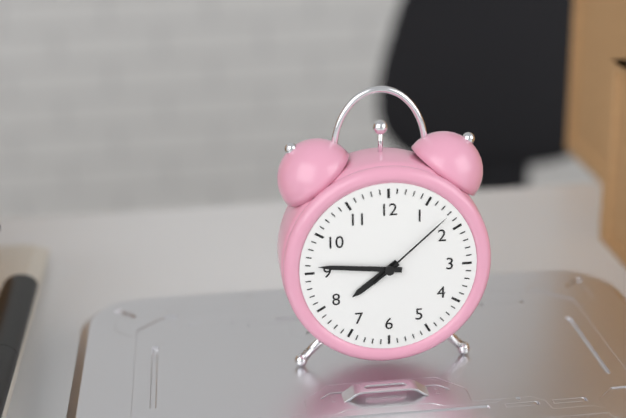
{"hour": 7, "minute": 46, "second": 8}
